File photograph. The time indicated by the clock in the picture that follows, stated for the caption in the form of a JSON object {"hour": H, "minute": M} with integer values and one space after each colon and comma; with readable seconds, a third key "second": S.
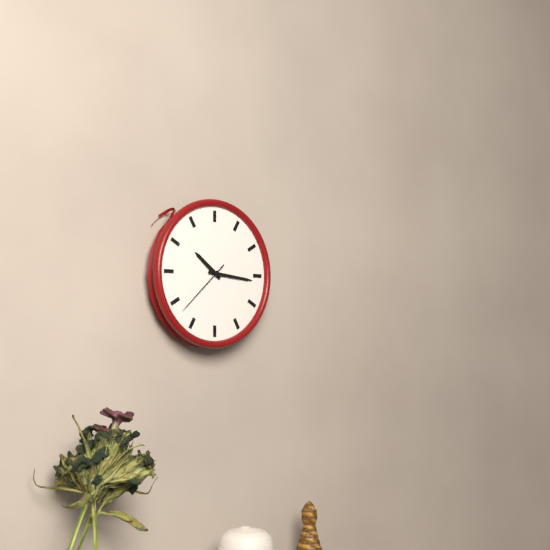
{"hour": 10, "minute": 16, "second": 38}
